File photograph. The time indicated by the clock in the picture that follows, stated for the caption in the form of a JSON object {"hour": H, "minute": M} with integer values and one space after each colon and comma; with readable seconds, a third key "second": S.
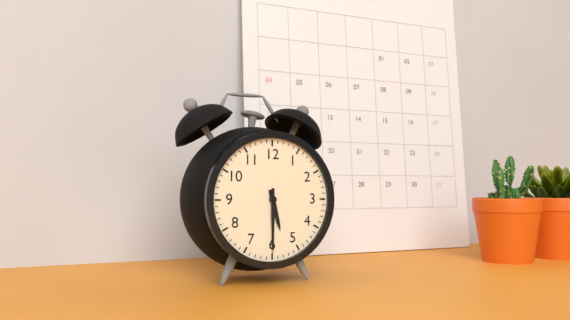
{"hour": 5, "minute": 30}
